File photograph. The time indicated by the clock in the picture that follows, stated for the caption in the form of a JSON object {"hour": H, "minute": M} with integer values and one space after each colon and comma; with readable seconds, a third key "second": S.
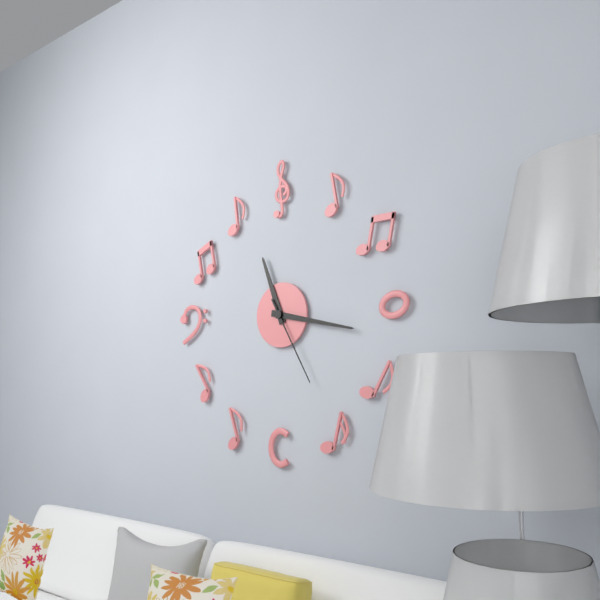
{"hour": 11, "minute": 17, "second": 25}
